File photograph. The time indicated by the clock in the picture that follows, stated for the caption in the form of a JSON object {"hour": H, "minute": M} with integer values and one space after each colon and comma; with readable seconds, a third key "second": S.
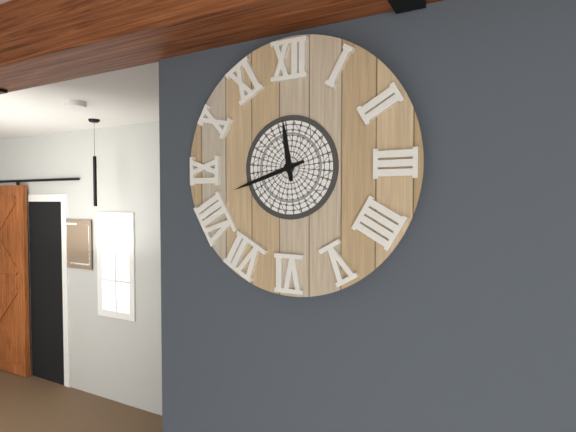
{"hour": 11, "minute": 42}
